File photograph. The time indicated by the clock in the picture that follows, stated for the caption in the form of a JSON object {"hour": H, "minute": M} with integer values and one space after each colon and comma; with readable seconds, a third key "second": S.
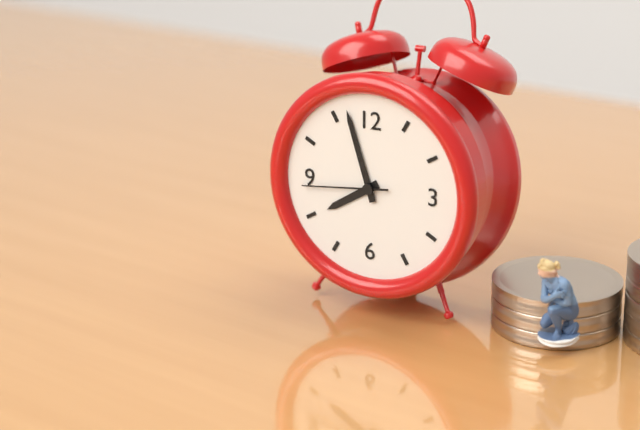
{"hour": 7, "minute": 57, "second": 44}
